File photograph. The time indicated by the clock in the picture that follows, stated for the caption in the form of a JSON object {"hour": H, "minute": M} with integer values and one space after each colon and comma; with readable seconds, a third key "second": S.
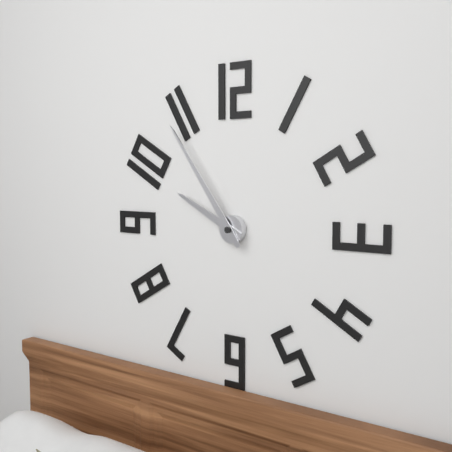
{"hour": 9, "minute": 54}
